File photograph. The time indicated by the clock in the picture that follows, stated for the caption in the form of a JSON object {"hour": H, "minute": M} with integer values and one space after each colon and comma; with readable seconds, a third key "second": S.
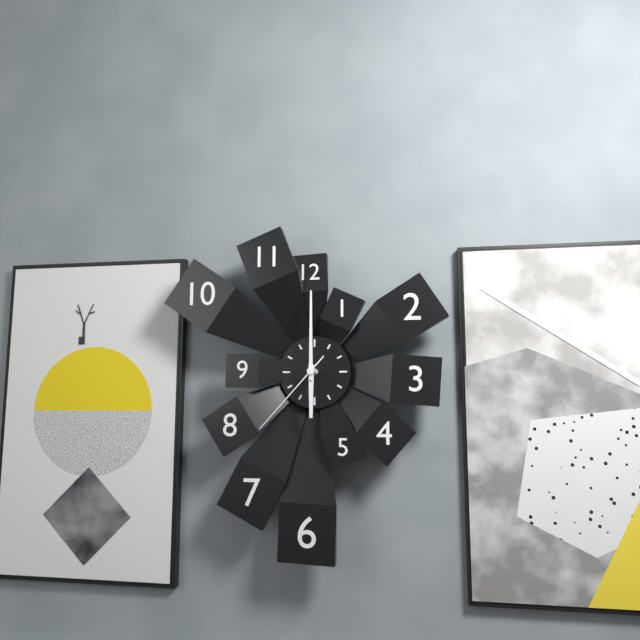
{"hour": 6, "minute": 0, "second": 37}
